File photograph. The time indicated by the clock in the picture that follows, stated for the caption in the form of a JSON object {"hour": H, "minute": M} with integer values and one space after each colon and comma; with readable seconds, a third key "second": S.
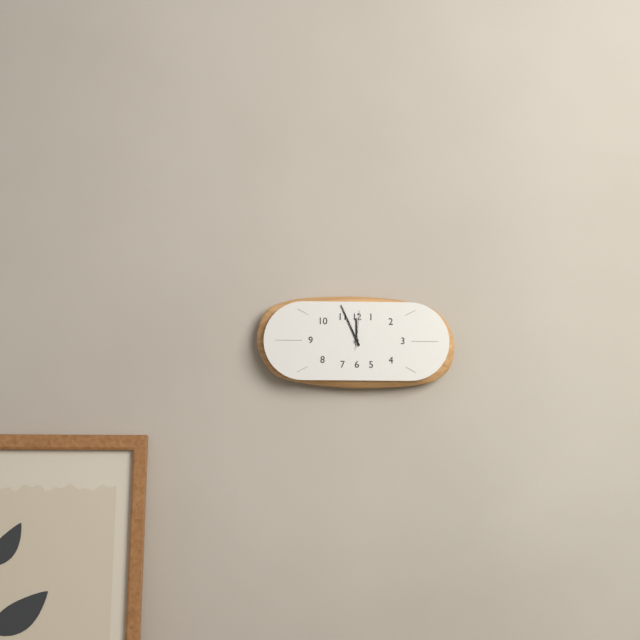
{"hour": 11, "minute": 56}
